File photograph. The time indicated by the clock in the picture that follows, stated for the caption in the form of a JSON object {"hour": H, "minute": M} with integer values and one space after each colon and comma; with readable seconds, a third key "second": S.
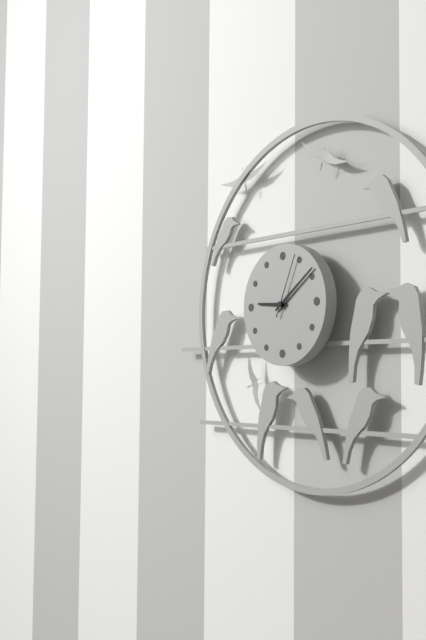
{"hour": 9, "minute": 9, "second": 4}
